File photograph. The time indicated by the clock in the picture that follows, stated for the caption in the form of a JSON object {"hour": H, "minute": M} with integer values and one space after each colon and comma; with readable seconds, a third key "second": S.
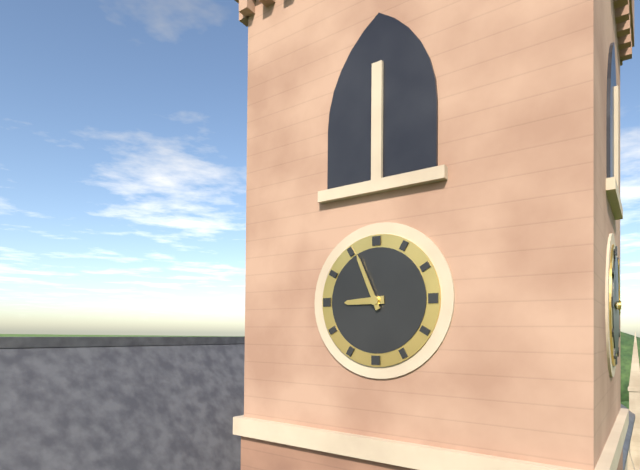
{"hour": 8, "minute": 56}
